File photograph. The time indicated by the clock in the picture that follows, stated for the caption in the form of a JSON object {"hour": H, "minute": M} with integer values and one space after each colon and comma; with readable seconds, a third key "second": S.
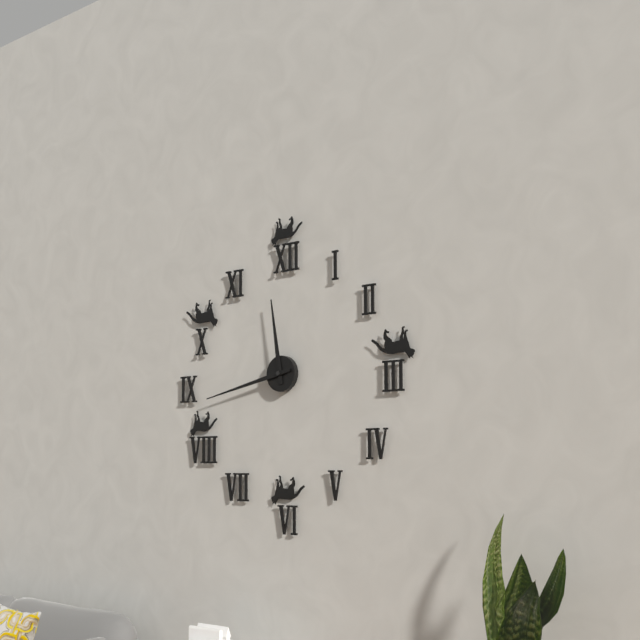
{"hour": 11, "minute": 43}
